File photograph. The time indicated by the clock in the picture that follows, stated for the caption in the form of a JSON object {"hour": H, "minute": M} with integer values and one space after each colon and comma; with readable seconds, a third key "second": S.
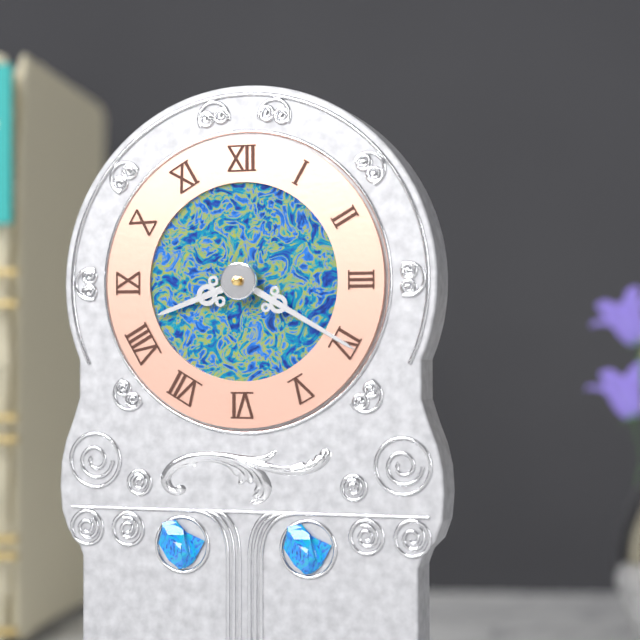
{"hour": 8, "minute": 20}
